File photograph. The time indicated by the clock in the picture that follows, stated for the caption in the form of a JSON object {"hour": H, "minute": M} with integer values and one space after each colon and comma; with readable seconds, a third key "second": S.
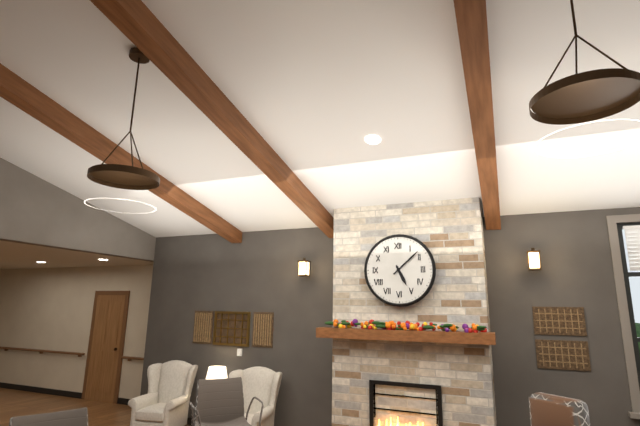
{"hour": 5, "minute": 8}
